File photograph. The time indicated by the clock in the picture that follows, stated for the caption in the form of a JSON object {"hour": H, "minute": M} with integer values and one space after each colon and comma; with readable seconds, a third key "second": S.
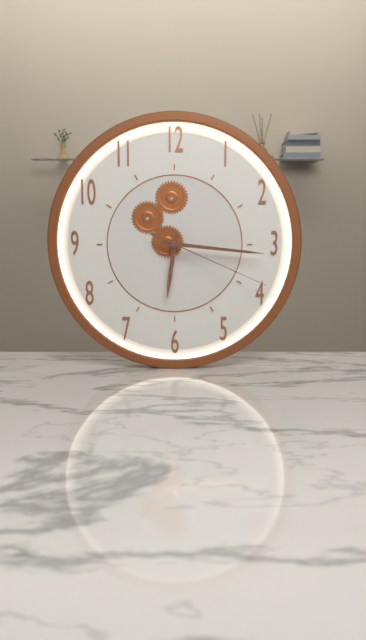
{"hour": 6, "minute": 16, "second": 19}
